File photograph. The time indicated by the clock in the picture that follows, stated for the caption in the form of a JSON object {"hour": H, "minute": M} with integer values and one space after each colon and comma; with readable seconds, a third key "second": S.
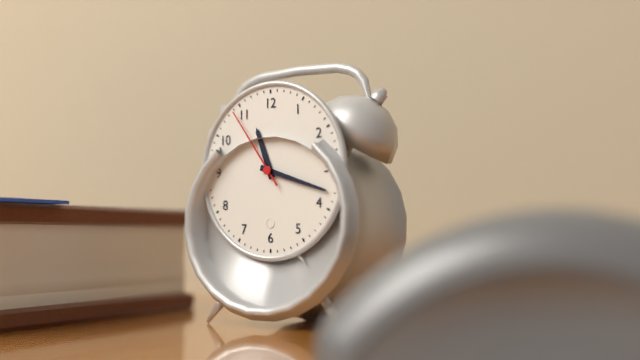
{"hour": 11, "minute": 18, "second": 54}
